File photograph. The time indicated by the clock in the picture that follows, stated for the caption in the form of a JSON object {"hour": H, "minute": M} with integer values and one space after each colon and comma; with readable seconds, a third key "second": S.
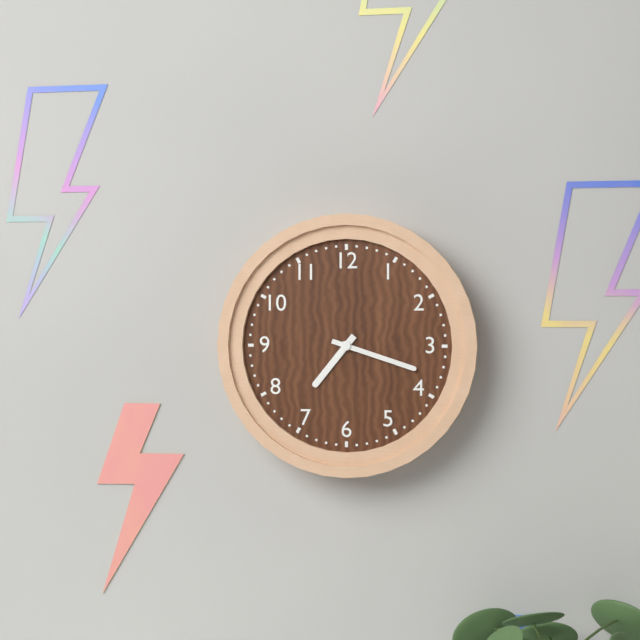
{"hour": 7, "minute": 18}
